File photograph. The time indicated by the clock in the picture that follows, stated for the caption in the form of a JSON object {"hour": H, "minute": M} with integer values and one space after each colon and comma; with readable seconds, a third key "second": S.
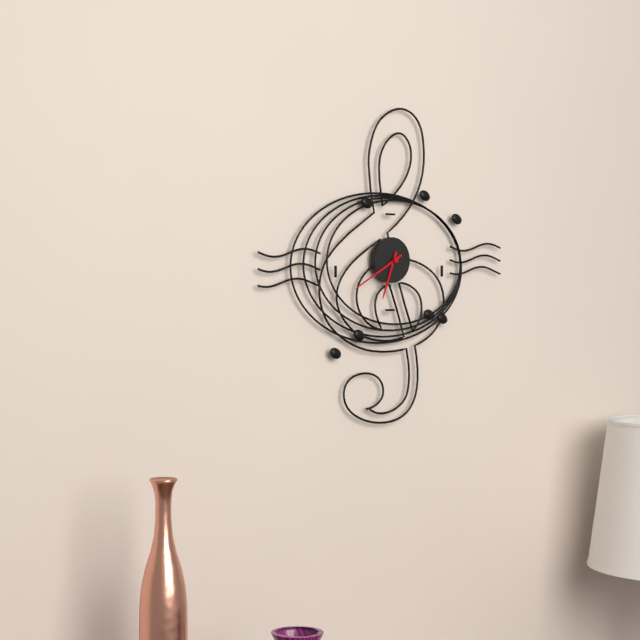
{"hour": 6, "minute": 40}
